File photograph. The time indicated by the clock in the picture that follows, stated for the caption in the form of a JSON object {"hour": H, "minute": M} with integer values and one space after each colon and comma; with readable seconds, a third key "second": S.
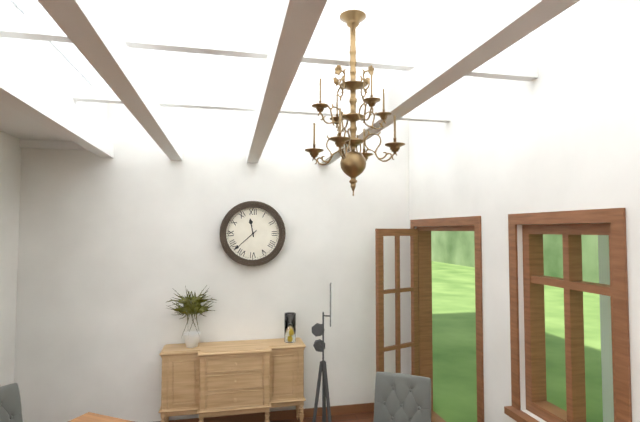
{"hour": 11, "minute": 38}
